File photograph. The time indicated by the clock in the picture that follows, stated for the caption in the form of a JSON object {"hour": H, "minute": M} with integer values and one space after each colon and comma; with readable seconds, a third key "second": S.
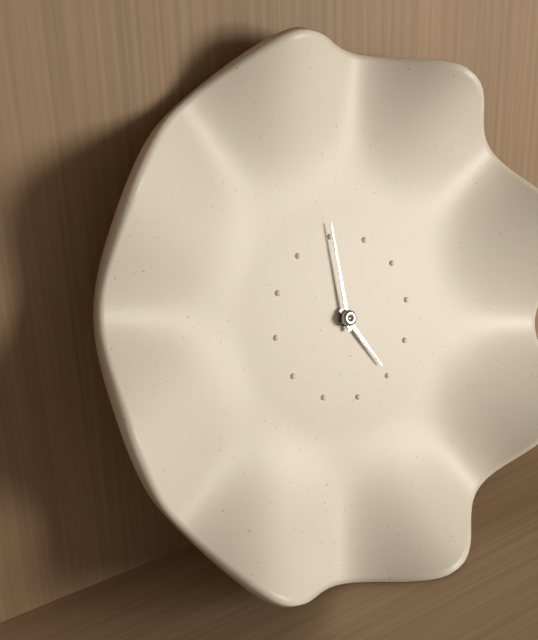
{"hour": 5, "minute": 0}
